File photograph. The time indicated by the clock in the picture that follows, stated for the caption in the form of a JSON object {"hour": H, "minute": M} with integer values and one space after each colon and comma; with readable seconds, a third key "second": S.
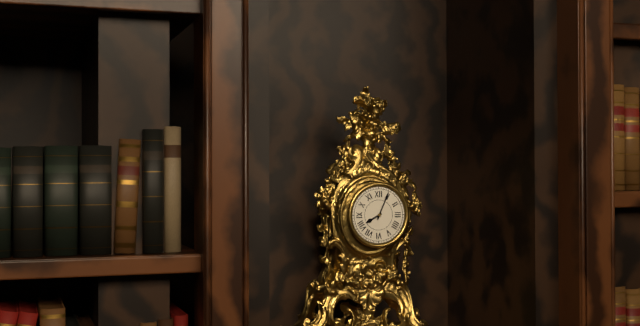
{"hour": 8, "minute": 4}
